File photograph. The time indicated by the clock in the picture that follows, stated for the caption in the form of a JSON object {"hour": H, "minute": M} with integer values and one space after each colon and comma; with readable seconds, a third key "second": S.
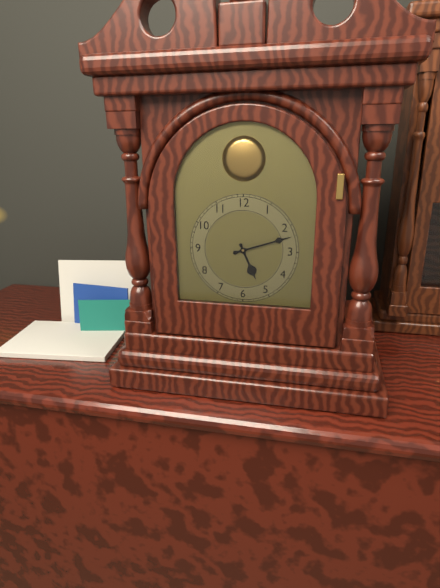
{"hour": 5, "minute": 12}
